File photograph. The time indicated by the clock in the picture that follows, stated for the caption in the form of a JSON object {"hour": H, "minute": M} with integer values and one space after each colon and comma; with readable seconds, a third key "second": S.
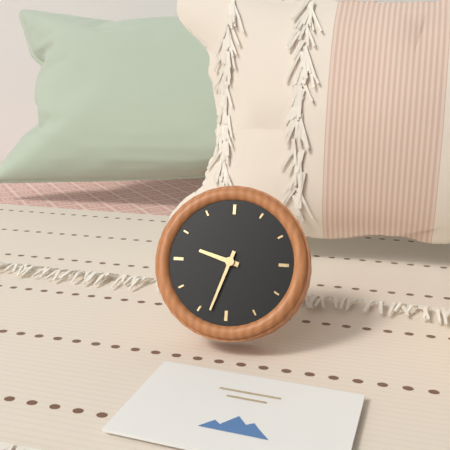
{"hour": 9, "minute": 33}
